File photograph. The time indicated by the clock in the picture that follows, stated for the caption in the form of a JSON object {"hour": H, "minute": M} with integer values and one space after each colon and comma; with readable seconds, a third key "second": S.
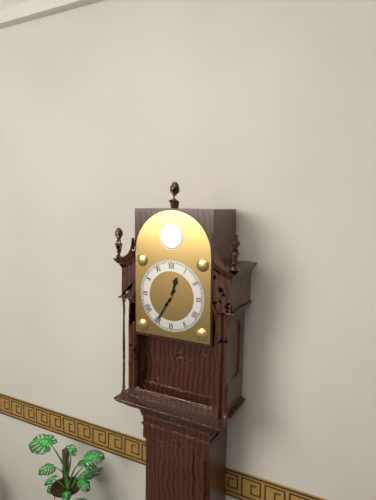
{"hour": 12, "minute": 35}
